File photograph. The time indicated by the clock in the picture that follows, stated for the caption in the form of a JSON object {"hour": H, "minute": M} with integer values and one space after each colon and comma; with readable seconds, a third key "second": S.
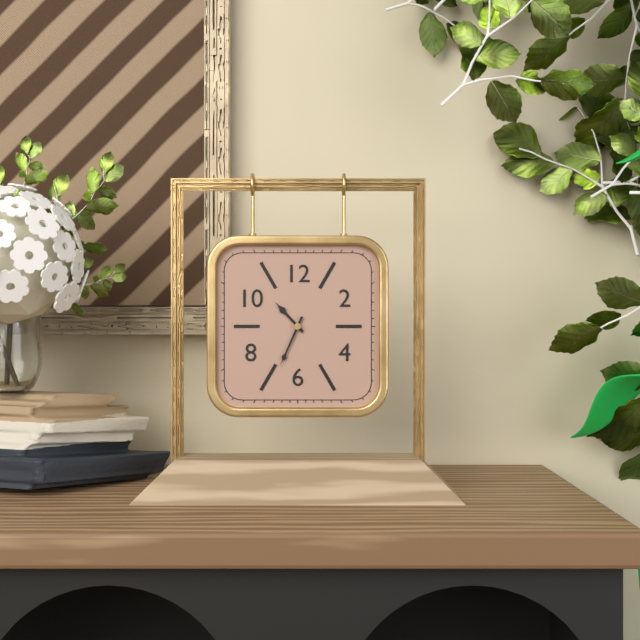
{"hour": 10, "minute": 34}
